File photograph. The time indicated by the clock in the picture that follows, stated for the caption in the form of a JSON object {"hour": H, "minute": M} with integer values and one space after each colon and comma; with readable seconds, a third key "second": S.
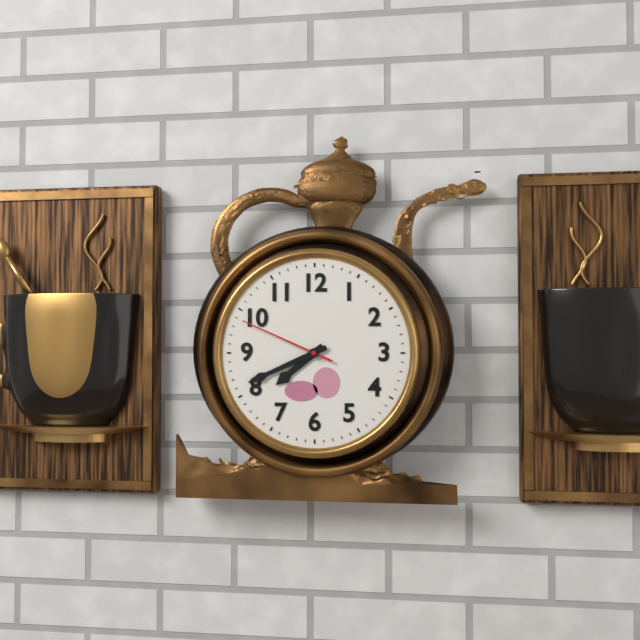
{"hour": 7, "minute": 41, "second": 49}
